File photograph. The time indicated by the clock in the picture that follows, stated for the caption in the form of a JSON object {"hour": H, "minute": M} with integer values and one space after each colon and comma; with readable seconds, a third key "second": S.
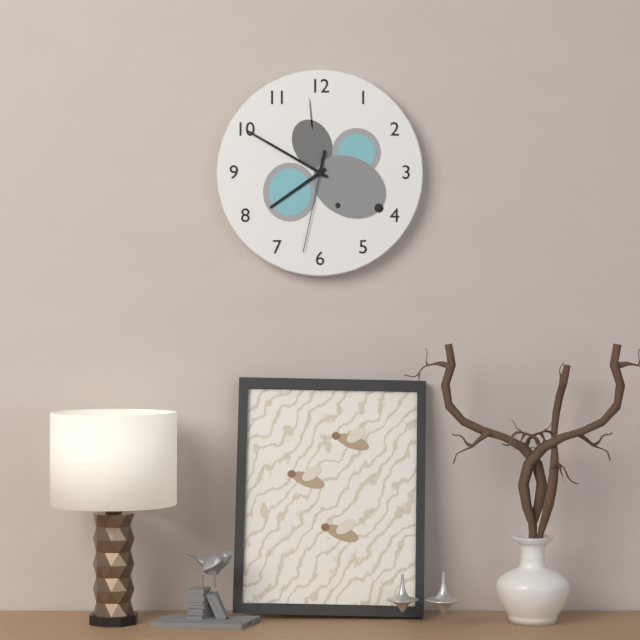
{"hour": 7, "minute": 50, "second": 32}
